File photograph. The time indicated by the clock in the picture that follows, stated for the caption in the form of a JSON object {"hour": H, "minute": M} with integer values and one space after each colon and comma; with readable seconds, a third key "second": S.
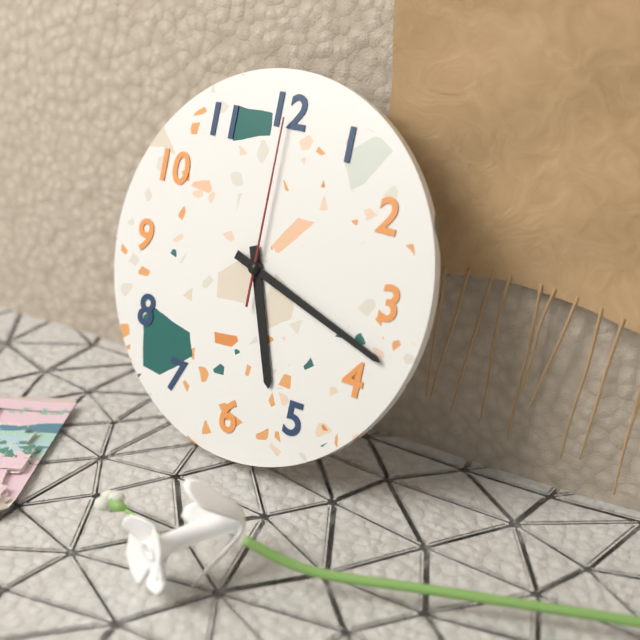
{"hour": 5, "minute": 18, "second": 0}
